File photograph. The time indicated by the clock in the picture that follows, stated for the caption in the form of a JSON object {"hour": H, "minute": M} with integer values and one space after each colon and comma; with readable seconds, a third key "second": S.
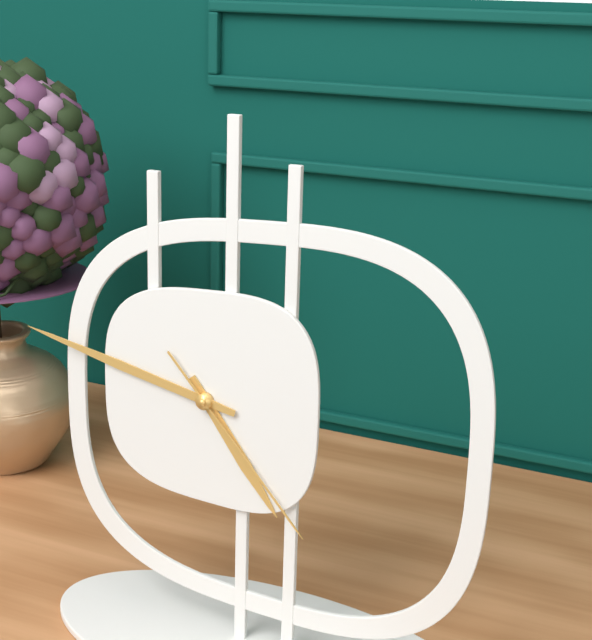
{"hour": 4, "minute": 47, "second": 23}
